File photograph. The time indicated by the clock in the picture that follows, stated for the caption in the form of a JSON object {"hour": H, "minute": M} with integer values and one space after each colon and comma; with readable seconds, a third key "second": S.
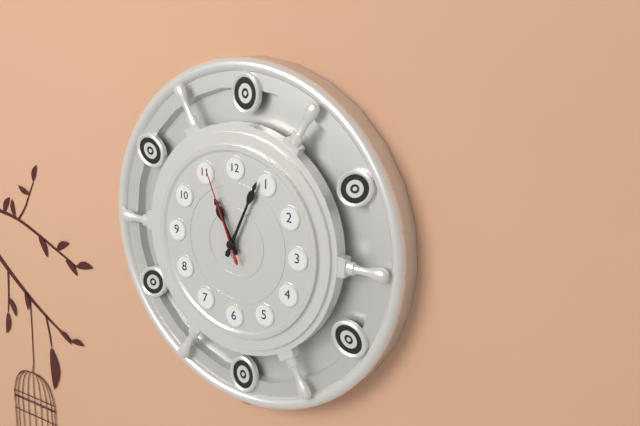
{"hour": 11, "minute": 4, "second": 56}
